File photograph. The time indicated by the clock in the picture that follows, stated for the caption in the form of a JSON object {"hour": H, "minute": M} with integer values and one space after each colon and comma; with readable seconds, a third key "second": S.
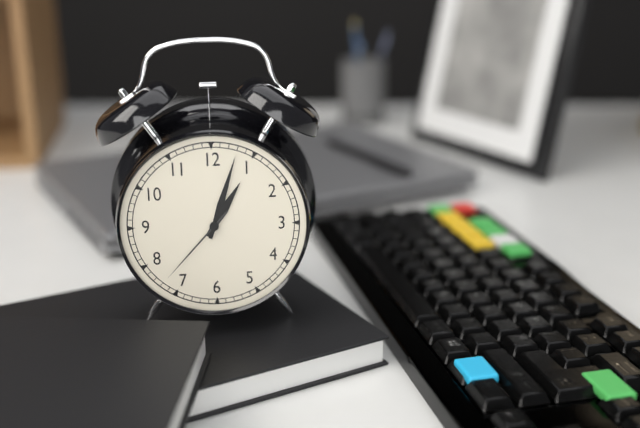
{"hour": 1, "minute": 3, "second": 37}
